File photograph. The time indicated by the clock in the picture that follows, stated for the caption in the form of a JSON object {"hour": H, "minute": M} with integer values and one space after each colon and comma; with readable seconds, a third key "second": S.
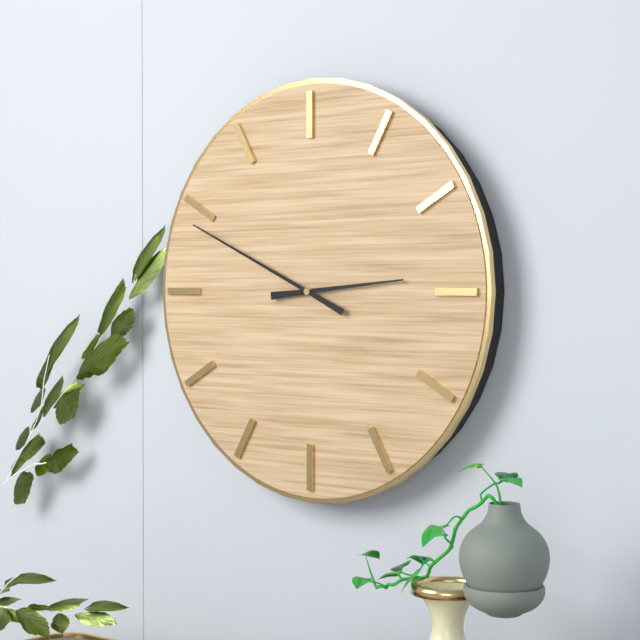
{"hour": 2, "minute": 49}
